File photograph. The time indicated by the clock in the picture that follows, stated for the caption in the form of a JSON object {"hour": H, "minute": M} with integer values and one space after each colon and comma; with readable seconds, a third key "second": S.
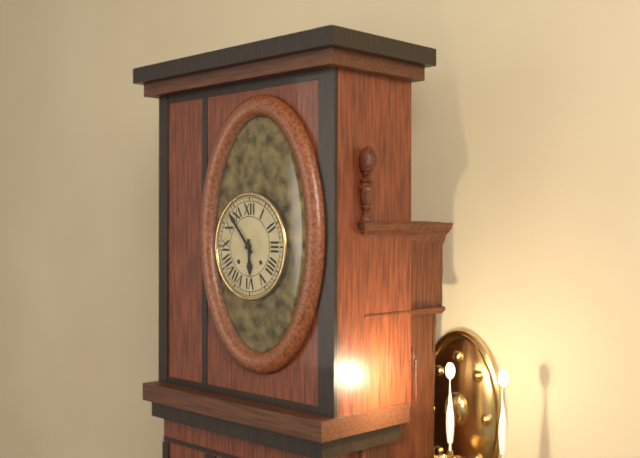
{"hour": 5, "minute": 53}
